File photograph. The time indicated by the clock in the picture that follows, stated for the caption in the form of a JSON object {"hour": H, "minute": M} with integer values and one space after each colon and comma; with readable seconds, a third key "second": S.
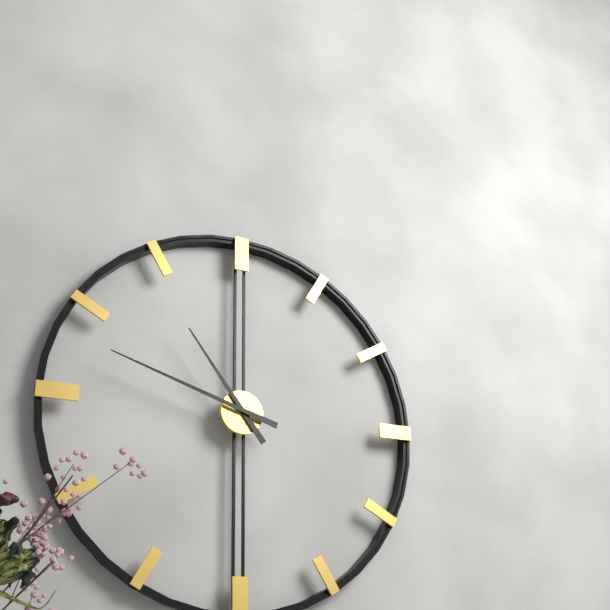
{"hour": 10, "minute": 48}
